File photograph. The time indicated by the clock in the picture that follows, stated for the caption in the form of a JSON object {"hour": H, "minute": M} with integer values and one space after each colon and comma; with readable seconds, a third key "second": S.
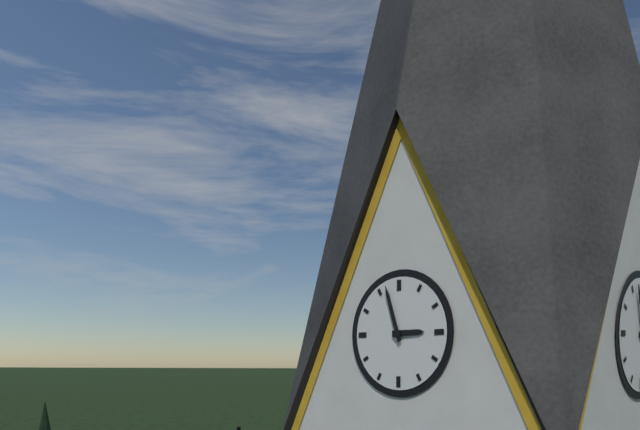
{"hour": 2, "minute": 57}
